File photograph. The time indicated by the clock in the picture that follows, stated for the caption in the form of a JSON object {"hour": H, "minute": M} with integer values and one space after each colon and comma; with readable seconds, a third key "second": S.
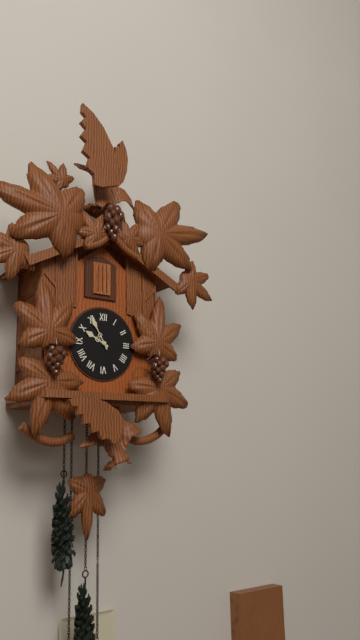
{"hour": 9, "minute": 55}
